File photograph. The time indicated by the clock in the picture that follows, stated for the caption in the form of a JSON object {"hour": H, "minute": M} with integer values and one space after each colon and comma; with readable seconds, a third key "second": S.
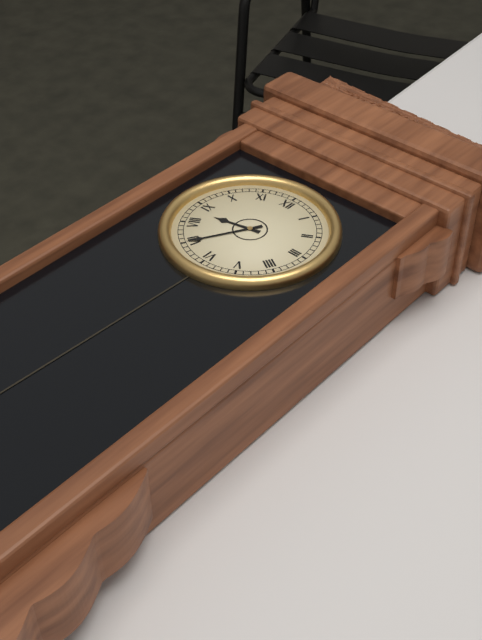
{"hour": 8, "minute": 35}
